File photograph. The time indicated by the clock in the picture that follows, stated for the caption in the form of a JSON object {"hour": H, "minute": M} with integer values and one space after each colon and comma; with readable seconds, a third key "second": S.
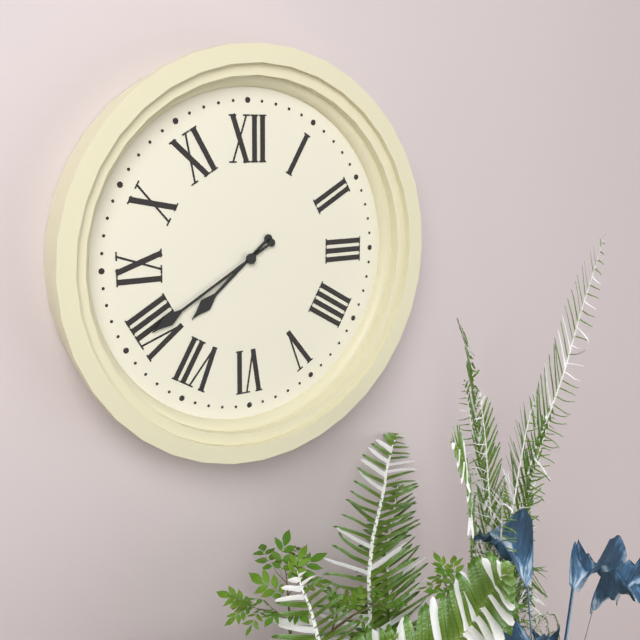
{"hour": 7, "minute": 40}
